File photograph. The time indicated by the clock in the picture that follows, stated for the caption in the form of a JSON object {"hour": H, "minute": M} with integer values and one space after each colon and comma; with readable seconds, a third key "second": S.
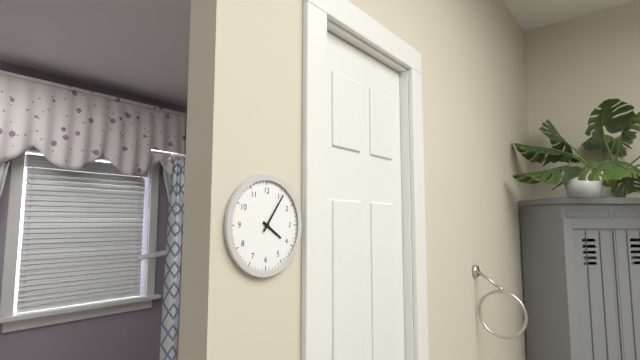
{"hour": 4, "minute": 6}
